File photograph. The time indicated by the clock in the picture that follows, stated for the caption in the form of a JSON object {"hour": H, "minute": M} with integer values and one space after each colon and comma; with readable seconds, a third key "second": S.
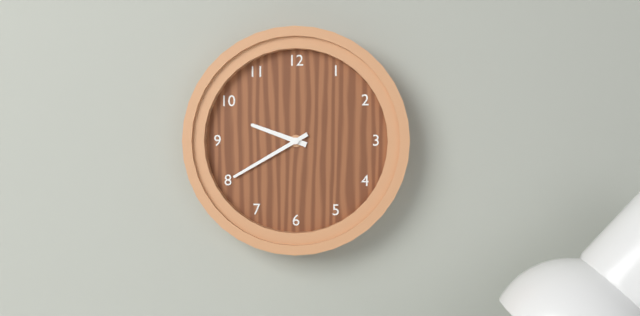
{"hour": 9, "minute": 40}
